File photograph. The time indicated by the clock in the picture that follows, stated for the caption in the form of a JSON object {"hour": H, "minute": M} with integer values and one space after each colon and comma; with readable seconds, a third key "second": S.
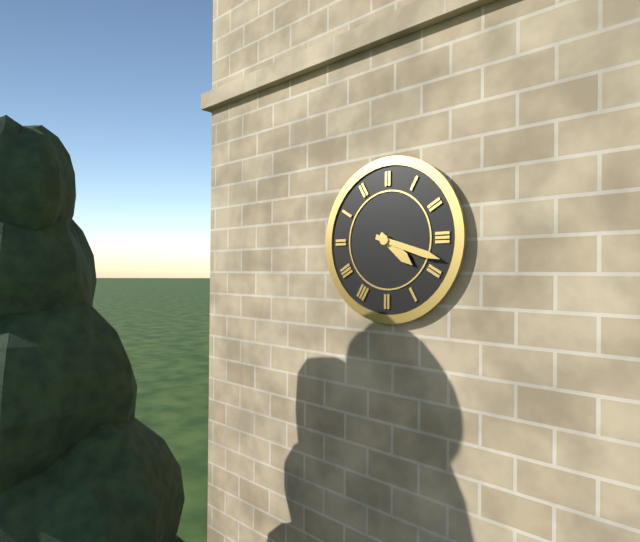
{"hour": 4, "minute": 18}
